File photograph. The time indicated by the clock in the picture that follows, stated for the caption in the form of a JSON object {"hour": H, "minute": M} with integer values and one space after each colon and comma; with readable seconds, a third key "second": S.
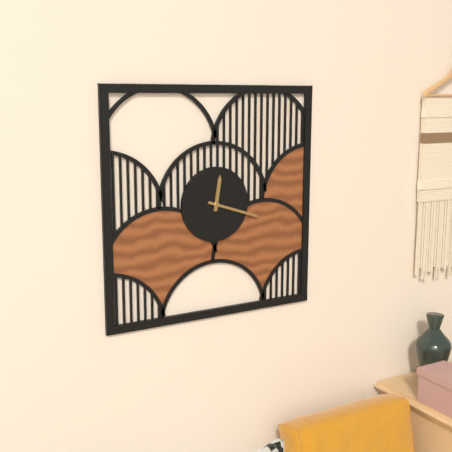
{"hour": 12, "minute": 18}
